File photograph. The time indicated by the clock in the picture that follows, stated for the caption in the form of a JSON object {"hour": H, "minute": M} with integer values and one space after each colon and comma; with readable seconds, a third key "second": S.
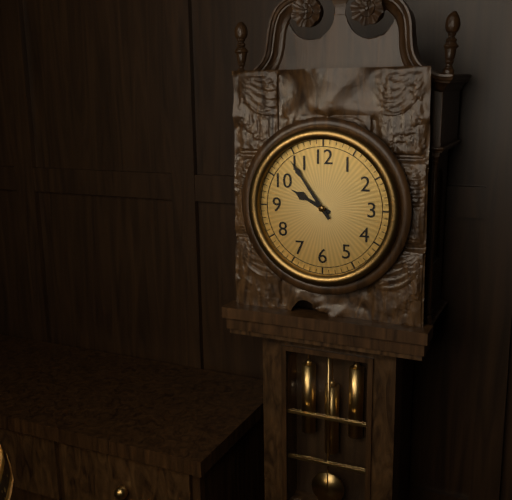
{"hour": 9, "minute": 54}
